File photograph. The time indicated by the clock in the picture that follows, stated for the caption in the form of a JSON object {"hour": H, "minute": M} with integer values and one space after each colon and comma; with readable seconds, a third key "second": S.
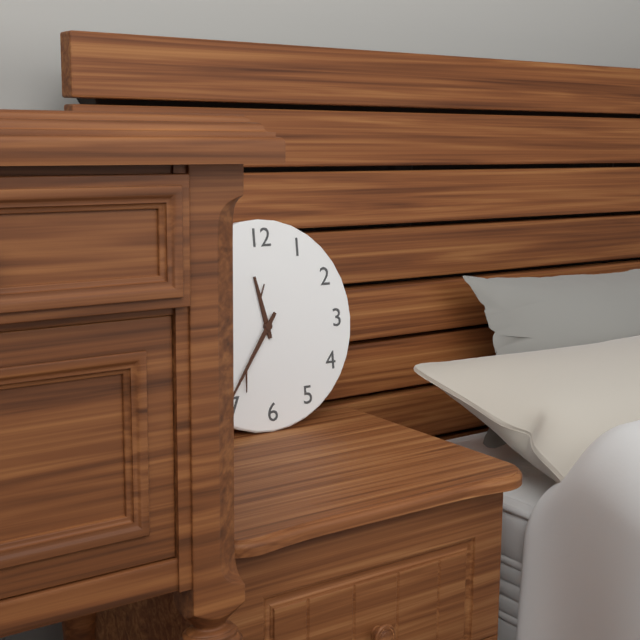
{"hour": 11, "minute": 36}
